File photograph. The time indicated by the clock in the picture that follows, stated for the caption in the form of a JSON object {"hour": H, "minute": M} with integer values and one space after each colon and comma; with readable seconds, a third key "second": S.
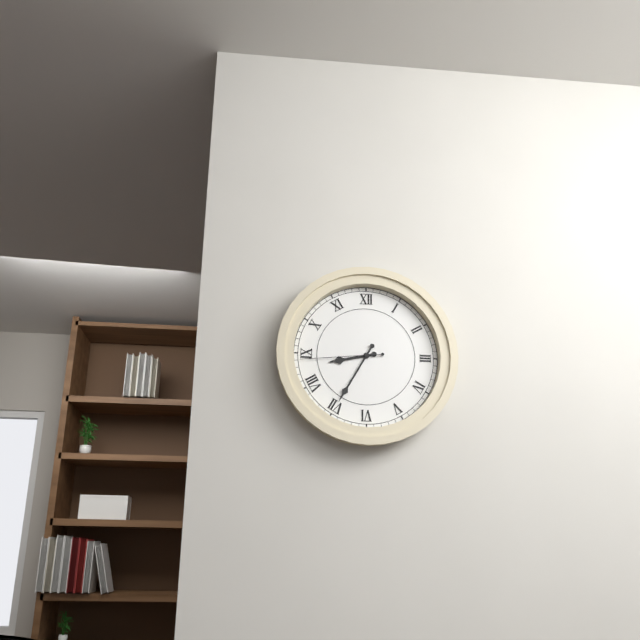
{"hour": 8, "minute": 35, "second": 44}
